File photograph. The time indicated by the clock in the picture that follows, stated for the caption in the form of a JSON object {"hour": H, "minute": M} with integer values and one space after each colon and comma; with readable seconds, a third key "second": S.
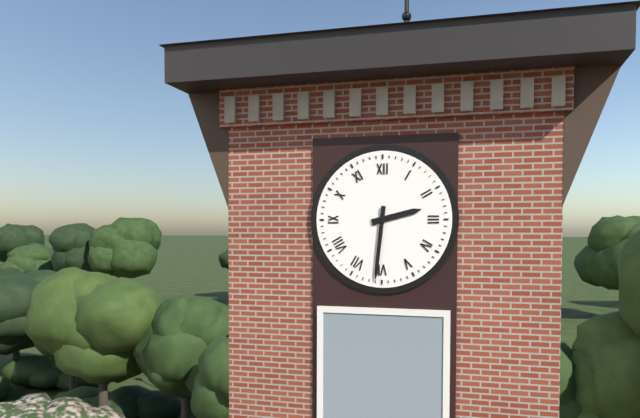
{"hour": 2, "minute": 31}
